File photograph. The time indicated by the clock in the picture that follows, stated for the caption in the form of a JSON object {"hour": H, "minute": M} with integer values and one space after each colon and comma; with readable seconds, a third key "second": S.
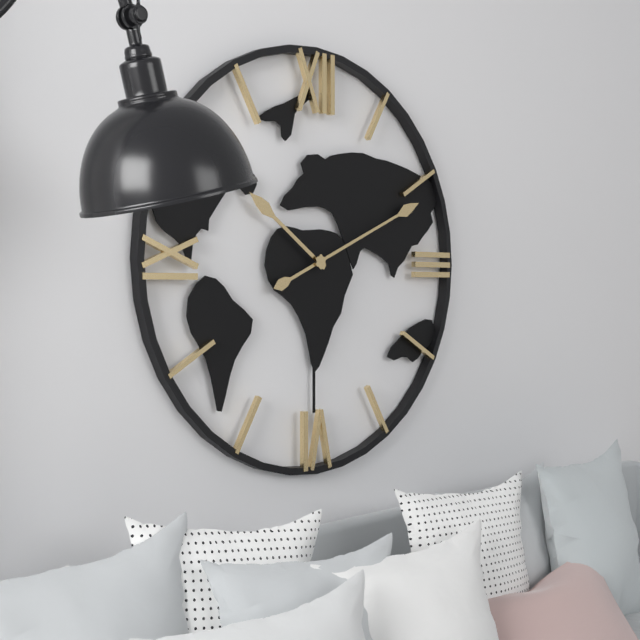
{"hour": 10, "minute": 11}
